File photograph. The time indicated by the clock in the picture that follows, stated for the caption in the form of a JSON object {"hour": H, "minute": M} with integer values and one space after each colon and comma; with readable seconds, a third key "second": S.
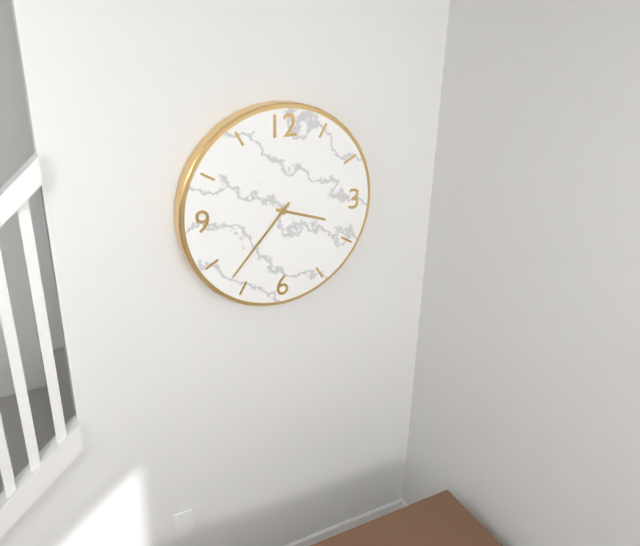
{"hour": 3, "minute": 37}
